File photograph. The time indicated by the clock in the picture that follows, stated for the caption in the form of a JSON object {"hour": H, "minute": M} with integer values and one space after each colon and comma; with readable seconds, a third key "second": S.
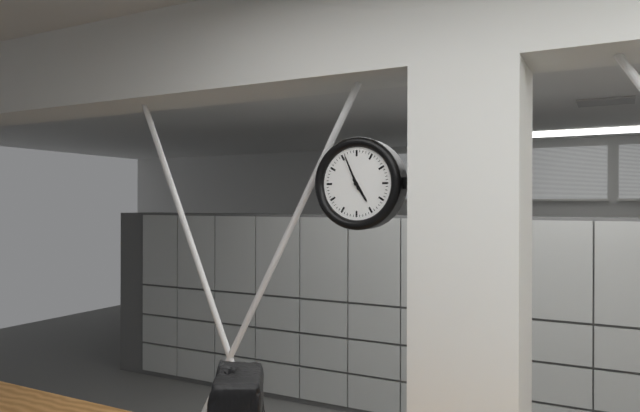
{"hour": 4, "minute": 56}
